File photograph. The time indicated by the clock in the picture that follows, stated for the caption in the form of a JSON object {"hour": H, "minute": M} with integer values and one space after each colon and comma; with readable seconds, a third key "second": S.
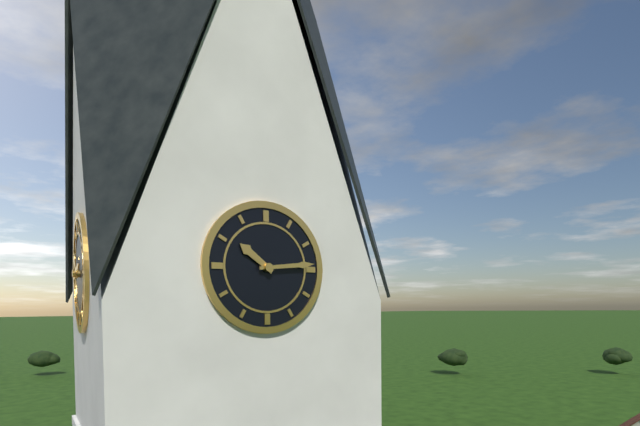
{"hour": 10, "minute": 14}
